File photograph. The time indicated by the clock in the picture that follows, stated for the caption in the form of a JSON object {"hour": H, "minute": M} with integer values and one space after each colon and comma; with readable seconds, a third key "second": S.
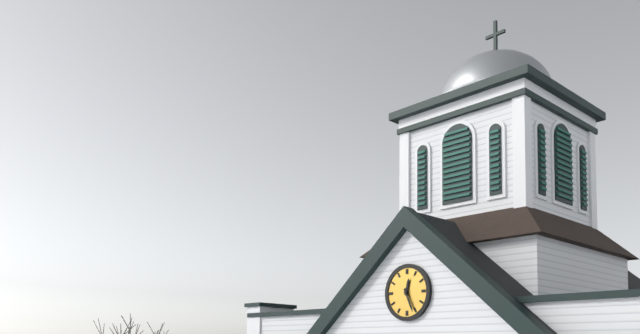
{"hour": 12, "minute": 26}
